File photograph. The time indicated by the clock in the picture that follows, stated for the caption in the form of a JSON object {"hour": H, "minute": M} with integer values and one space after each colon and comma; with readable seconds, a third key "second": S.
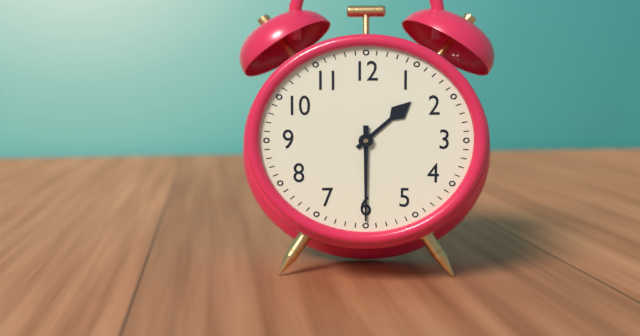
{"hour": 1, "minute": 30}
